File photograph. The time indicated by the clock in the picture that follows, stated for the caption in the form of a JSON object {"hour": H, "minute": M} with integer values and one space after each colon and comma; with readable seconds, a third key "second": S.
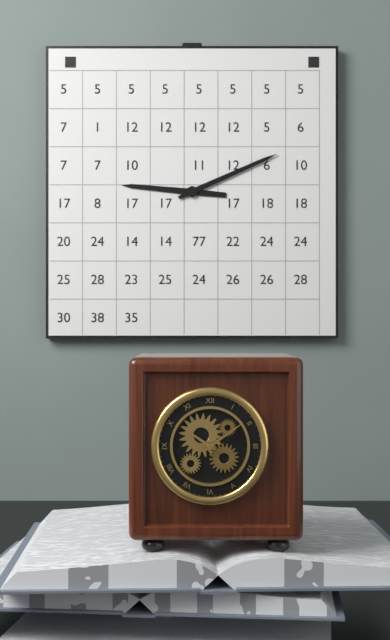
{"hour": 9, "minute": 11}
